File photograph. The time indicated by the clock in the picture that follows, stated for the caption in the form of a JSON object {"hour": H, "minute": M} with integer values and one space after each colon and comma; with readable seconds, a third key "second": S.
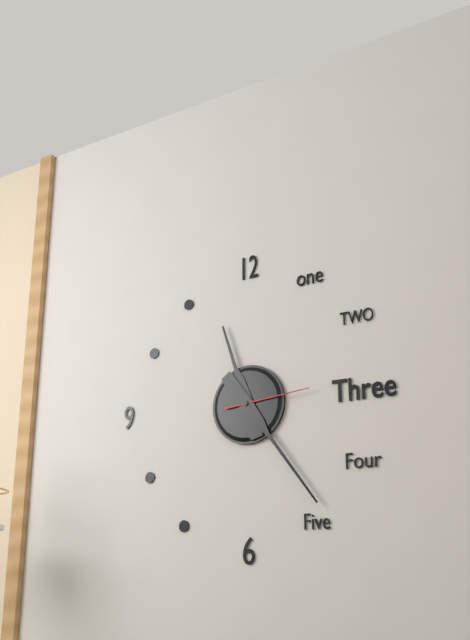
{"hour": 11, "minute": 24, "second": 14}
